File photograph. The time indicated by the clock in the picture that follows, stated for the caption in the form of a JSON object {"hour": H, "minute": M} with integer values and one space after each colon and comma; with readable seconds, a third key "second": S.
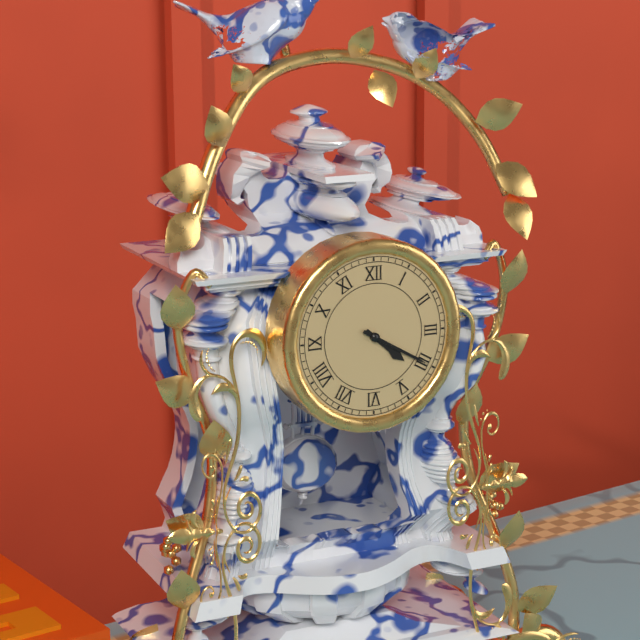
{"hour": 4, "minute": 20}
